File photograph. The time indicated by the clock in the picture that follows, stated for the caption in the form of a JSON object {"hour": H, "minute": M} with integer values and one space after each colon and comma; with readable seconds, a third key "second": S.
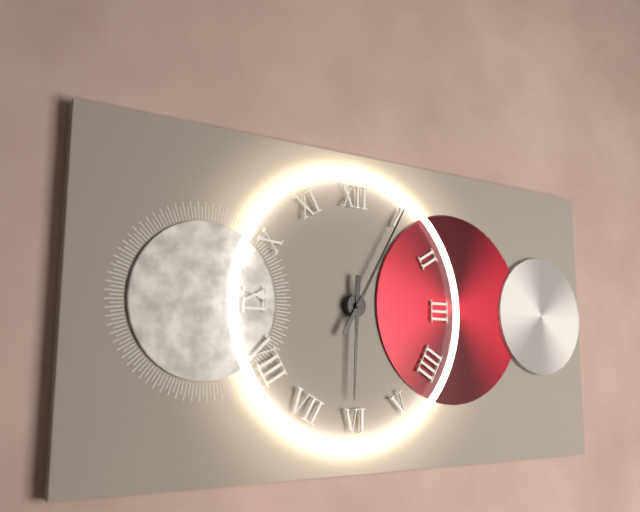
{"hour": 6, "minute": 5}
